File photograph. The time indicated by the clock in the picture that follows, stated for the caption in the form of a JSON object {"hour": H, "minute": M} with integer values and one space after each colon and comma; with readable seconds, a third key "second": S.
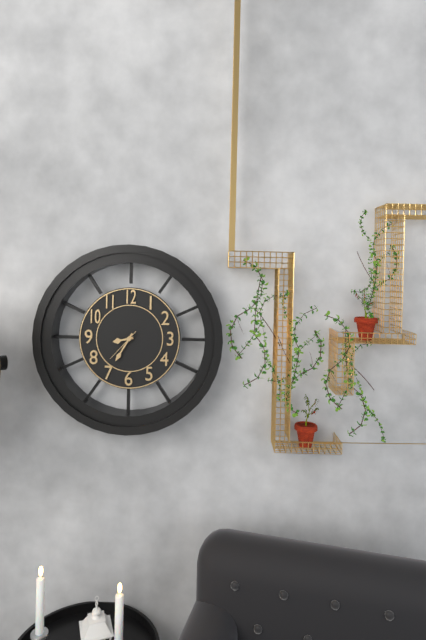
{"hour": 8, "minute": 35}
